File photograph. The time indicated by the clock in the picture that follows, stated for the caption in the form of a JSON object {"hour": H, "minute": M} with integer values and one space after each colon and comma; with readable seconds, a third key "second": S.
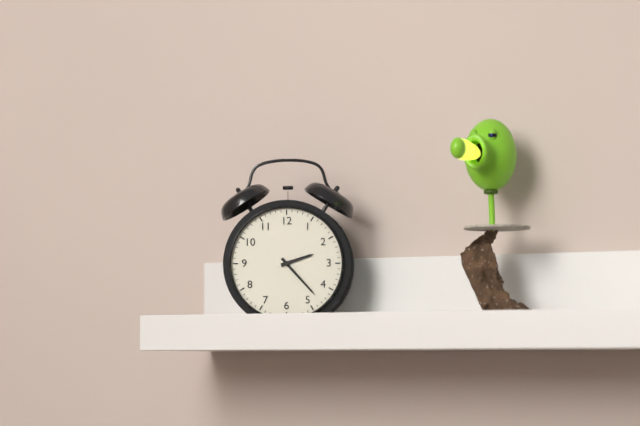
{"hour": 2, "minute": 23}
